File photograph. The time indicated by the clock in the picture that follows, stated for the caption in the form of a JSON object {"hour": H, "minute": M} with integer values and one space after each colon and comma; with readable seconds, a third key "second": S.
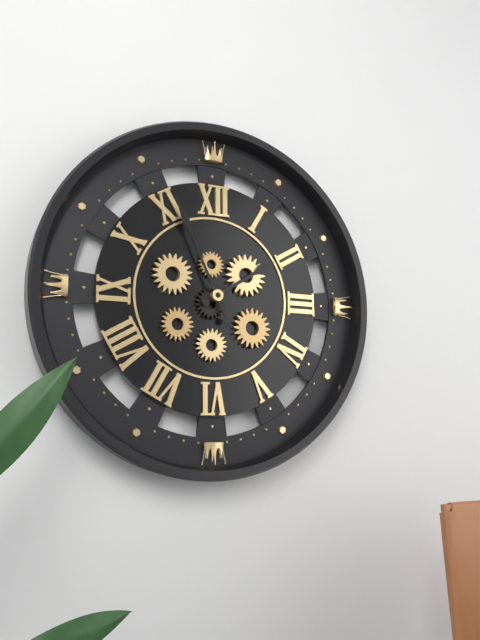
{"hour": 1, "minute": 56}
